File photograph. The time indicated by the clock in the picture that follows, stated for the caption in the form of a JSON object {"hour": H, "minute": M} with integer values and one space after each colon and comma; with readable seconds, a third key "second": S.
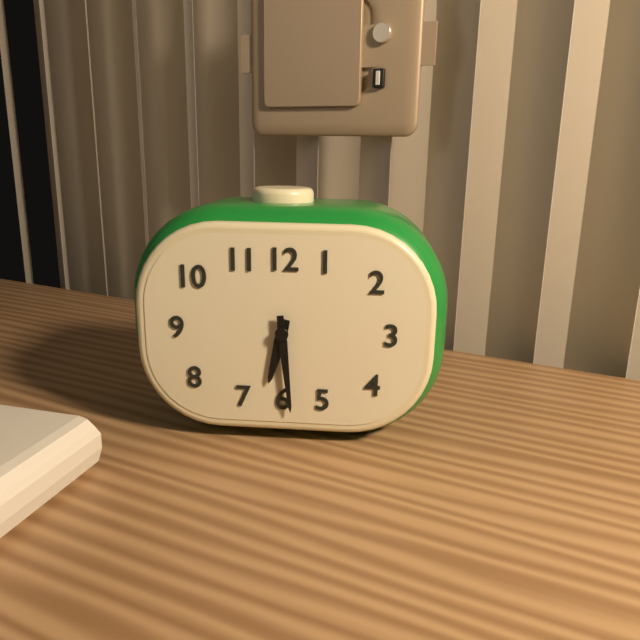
{"hour": 6, "minute": 29}
